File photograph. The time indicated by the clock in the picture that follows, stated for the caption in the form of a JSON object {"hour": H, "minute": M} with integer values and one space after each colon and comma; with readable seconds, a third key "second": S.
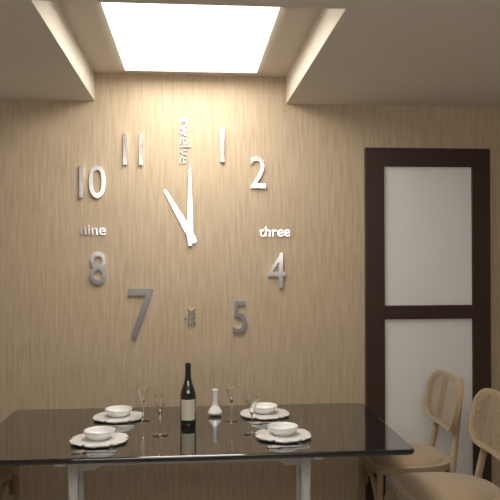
{"hour": 11, "minute": 0}
